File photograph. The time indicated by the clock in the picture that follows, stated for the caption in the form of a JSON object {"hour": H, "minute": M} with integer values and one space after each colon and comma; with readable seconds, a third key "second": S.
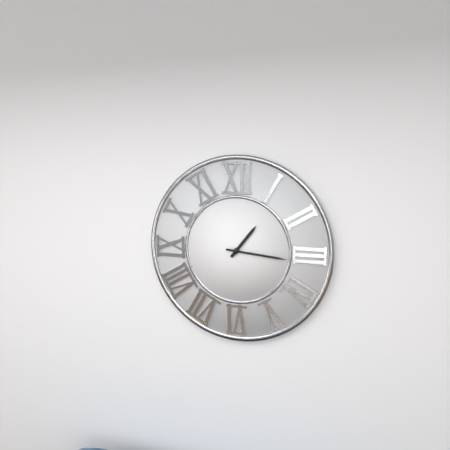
{"hour": 1, "minute": 16}
